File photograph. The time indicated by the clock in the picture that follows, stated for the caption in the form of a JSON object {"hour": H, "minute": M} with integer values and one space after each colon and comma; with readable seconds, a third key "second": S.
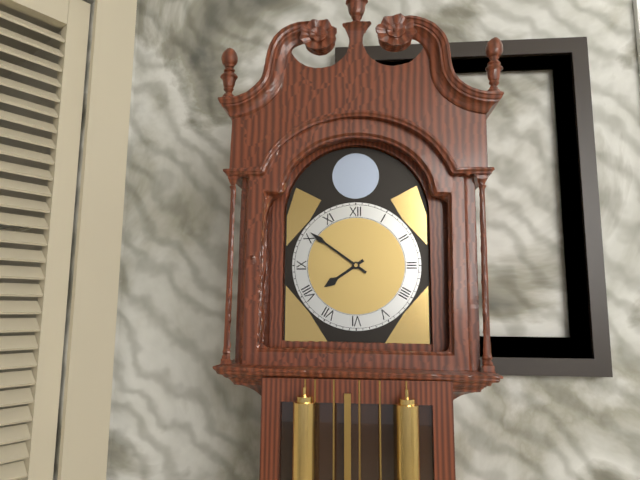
{"hour": 7, "minute": 51}
